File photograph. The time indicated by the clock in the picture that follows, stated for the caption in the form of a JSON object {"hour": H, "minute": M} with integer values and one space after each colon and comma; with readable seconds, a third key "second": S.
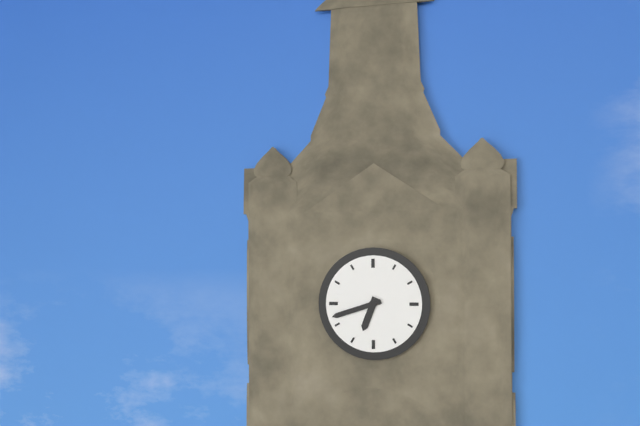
{"hour": 6, "minute": 42}
